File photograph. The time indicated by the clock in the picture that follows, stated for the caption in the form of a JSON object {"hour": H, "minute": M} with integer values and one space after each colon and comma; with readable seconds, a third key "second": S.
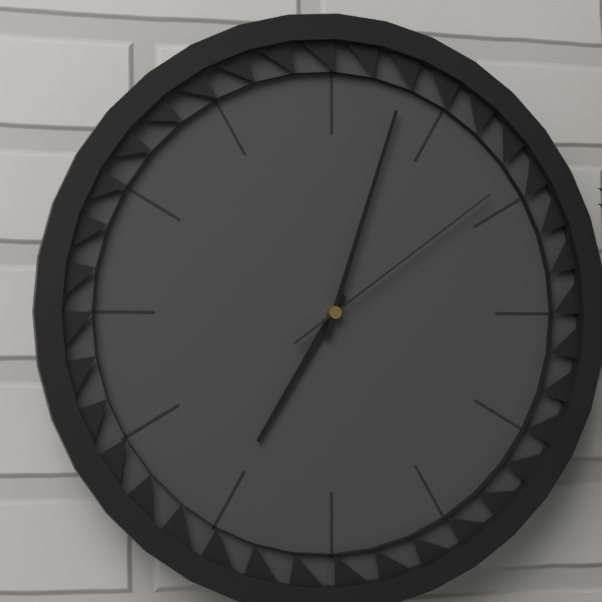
{"hour": 7, "minute": 3, "second": 9}
